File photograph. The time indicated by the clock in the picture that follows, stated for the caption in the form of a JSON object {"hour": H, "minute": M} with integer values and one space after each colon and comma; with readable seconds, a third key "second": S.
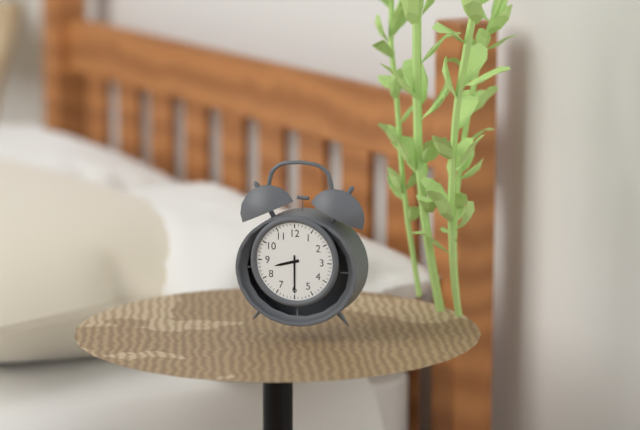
{"hour": 8, "minute": 30}
